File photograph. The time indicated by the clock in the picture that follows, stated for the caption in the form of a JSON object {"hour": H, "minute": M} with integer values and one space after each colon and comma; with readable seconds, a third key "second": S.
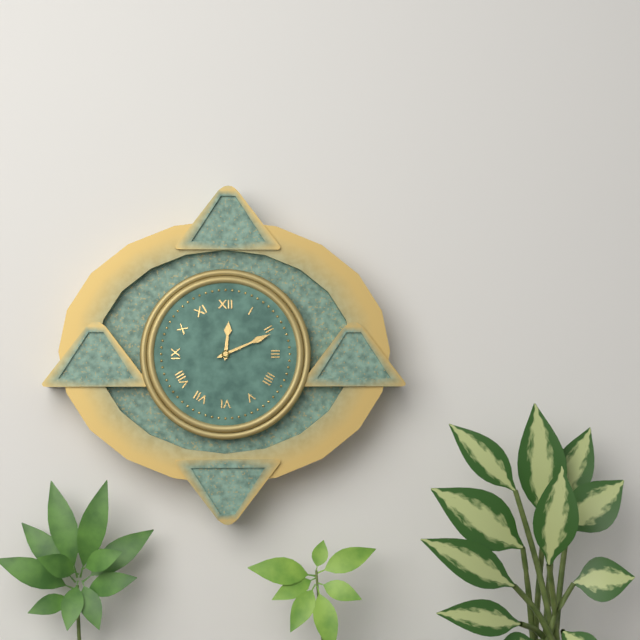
{"hour": 12, "minute": 11}
